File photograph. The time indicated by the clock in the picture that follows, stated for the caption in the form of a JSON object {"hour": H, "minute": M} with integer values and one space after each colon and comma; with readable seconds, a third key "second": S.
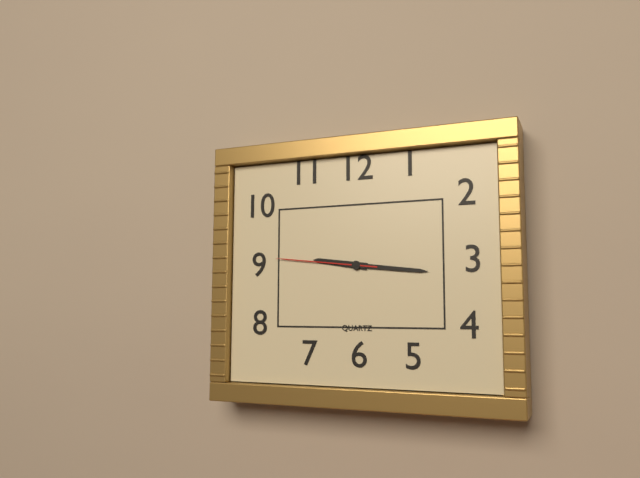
{"hour": 9, "minute": 16, "second": 46}
